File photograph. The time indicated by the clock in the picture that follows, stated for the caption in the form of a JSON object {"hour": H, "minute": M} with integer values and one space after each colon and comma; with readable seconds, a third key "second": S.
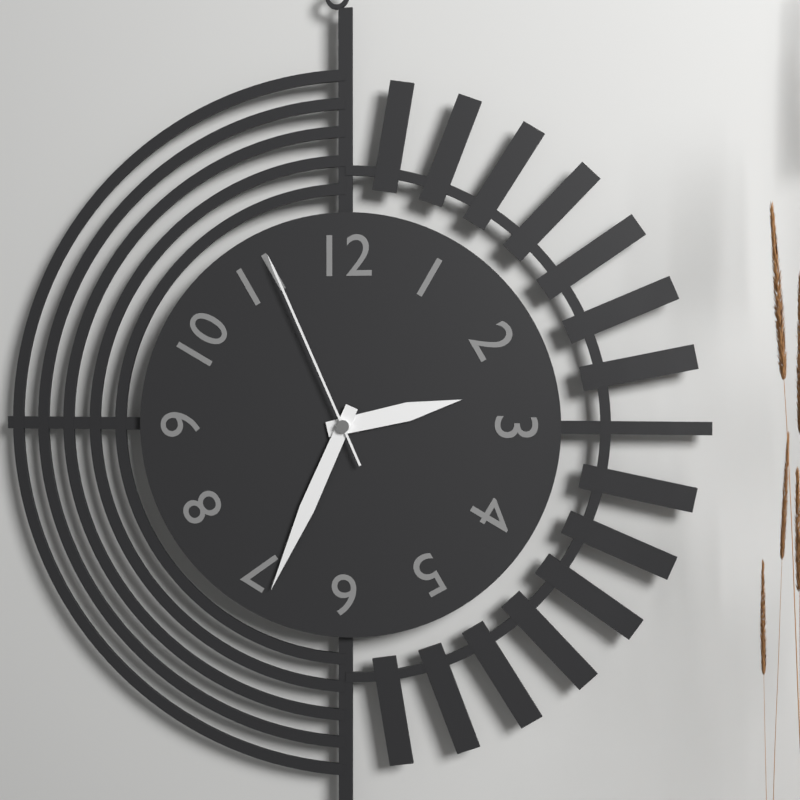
{"hour": 2, "minute": 34, "second": 56}
